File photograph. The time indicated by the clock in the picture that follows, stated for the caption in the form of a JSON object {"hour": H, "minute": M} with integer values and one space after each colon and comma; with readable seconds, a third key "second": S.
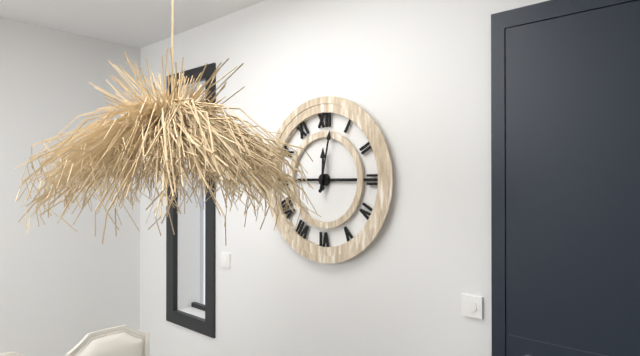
{"hour": 12, "minute": 2}
